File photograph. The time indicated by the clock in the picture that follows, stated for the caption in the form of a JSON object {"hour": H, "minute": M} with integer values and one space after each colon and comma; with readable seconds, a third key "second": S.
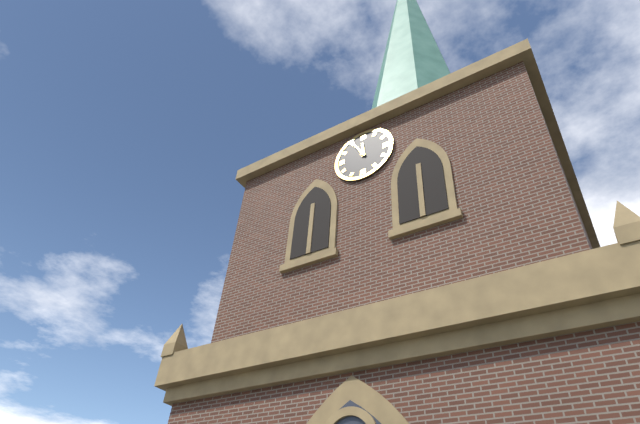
{"hour": 11, "minute": 55}
